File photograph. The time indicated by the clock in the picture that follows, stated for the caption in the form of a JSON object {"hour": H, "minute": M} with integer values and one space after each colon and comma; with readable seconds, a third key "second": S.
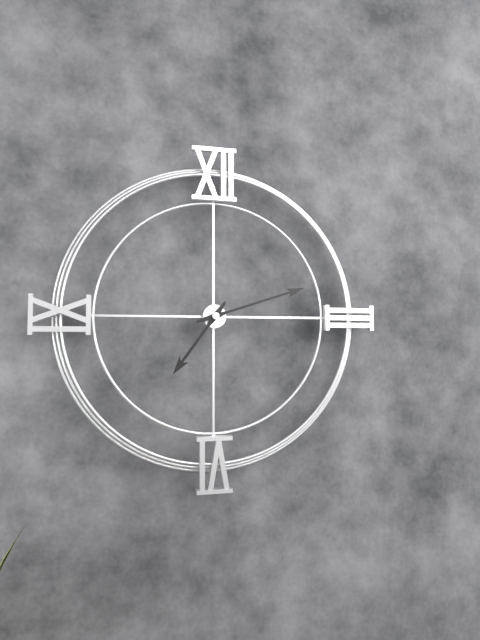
{"hour": 7, "minute": 12}
